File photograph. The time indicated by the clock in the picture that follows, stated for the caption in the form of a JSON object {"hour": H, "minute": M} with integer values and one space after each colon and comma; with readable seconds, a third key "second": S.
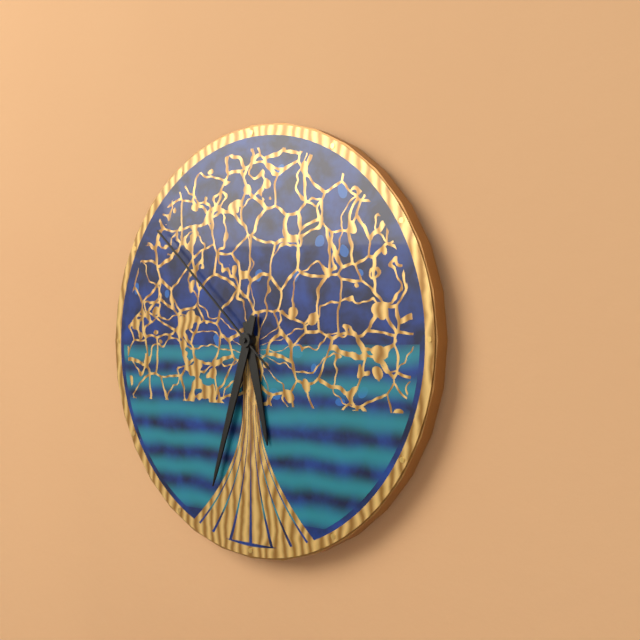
{"hour": 5, "minute": 33, "second": 52}
